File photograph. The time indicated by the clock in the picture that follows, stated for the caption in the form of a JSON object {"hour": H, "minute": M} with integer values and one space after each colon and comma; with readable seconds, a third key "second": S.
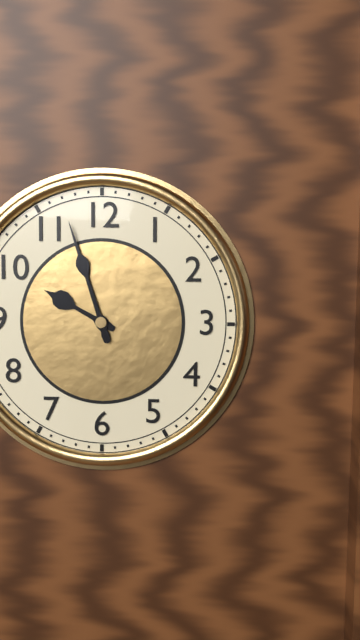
{"hour": 9, "minute": 57}
